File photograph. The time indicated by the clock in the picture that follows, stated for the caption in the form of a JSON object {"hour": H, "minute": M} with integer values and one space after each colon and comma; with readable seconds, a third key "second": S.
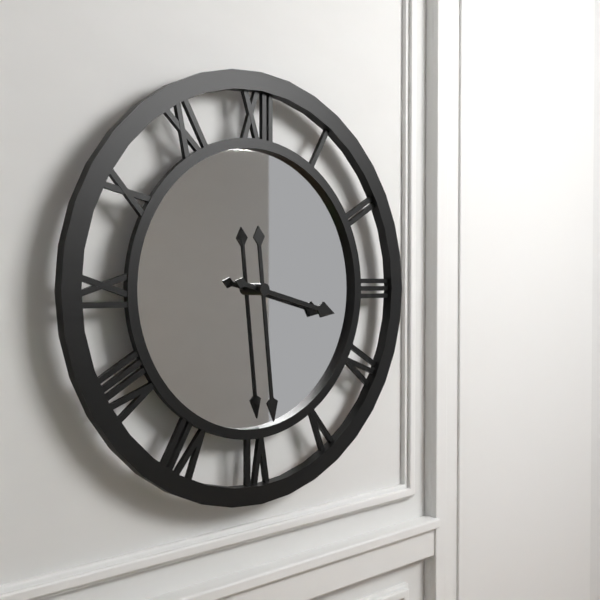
{"hour": 3, "minute": 29}
